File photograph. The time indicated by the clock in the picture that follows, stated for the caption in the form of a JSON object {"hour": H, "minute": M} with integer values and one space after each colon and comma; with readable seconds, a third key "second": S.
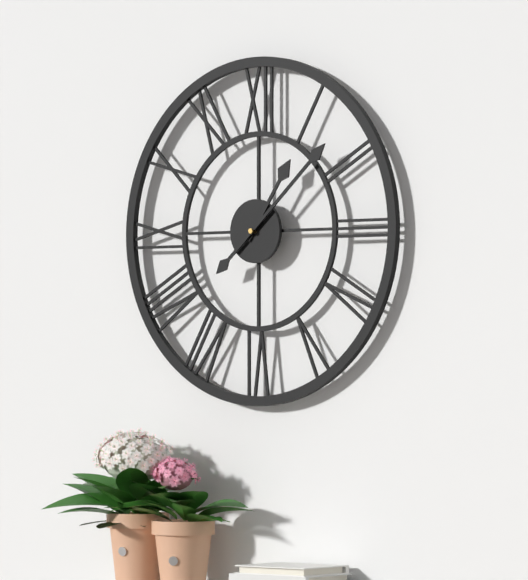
{"hour": 1, "minute": 8}
